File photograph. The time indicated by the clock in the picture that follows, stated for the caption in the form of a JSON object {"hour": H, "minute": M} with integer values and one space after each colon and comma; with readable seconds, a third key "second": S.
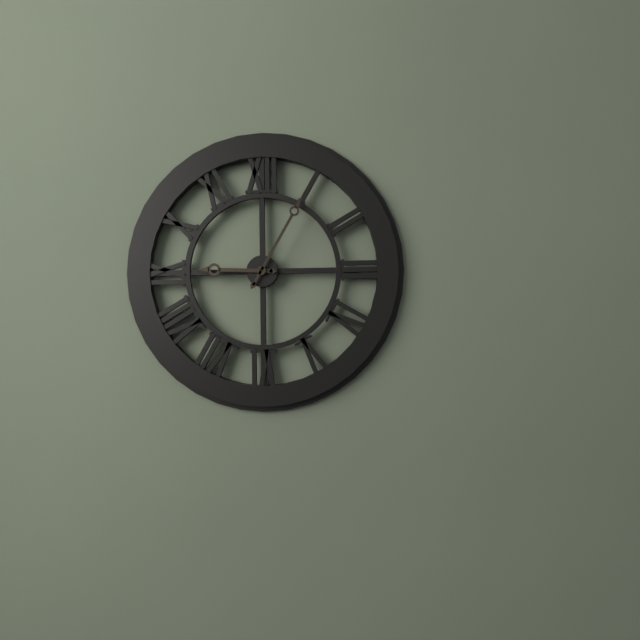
{"hour": 9, "minute": 5}
